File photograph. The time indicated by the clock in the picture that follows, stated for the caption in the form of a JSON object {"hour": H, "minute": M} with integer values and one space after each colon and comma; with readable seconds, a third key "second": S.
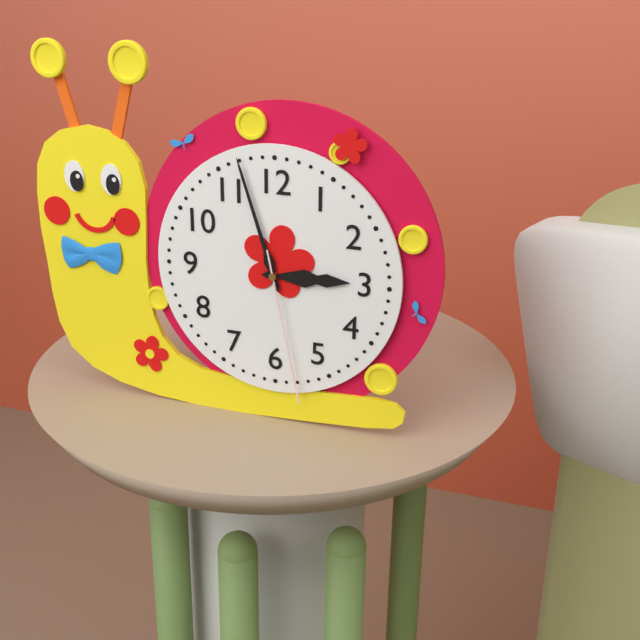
{"hour": 2, "minute": 57, "second": 28}
